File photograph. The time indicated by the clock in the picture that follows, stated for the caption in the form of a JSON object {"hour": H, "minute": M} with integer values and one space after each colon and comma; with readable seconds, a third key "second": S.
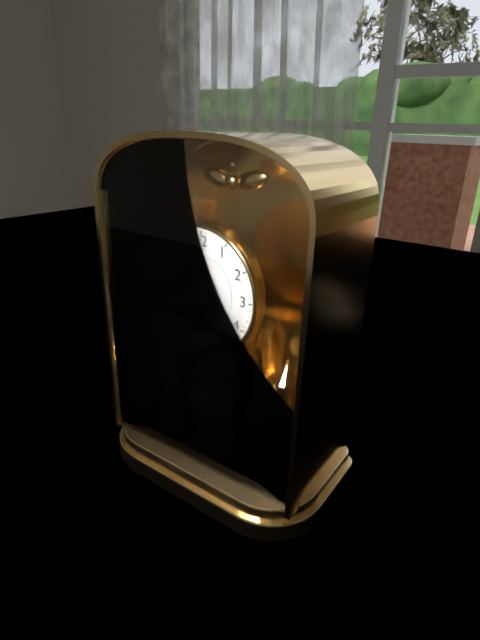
{"hour": 7, "minute": 32, "second": 26}
